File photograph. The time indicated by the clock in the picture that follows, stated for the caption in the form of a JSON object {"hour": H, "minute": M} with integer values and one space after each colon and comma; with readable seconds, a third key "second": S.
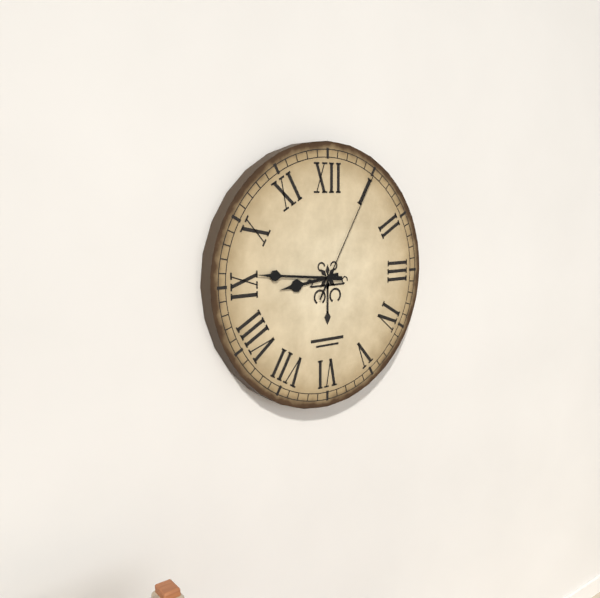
{"hour": 8, "minute": 46, "second": 5}
